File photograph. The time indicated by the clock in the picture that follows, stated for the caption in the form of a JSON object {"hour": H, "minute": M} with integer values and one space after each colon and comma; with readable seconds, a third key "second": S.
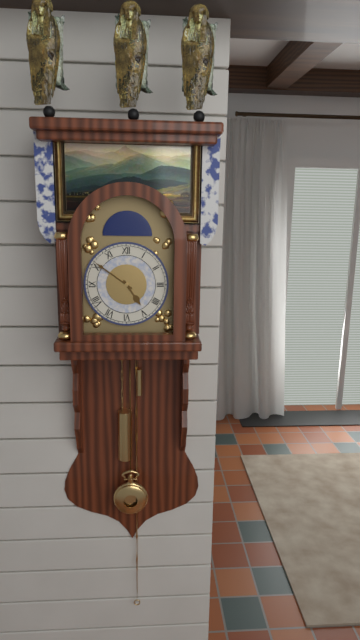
{"hour": 4, "minute": 51}
